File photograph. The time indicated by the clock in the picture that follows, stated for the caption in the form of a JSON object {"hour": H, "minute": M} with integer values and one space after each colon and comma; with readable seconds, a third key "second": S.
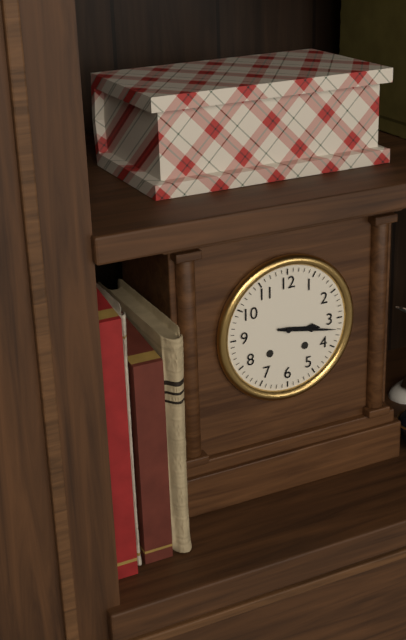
{"hour": 3, "minute": 17}
